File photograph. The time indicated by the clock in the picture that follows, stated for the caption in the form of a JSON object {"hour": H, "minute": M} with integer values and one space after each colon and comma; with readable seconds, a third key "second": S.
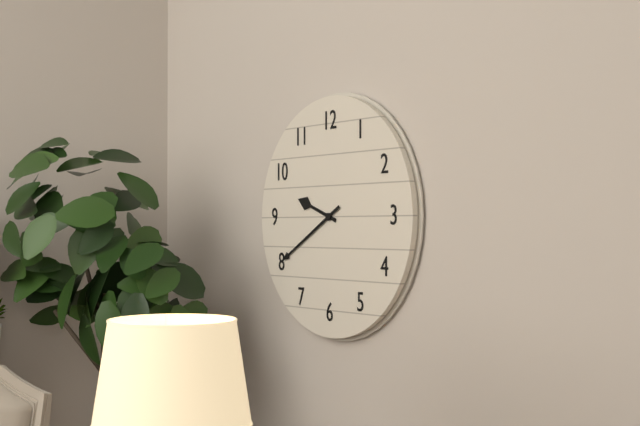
{"hour": 9, "minute": 40}
